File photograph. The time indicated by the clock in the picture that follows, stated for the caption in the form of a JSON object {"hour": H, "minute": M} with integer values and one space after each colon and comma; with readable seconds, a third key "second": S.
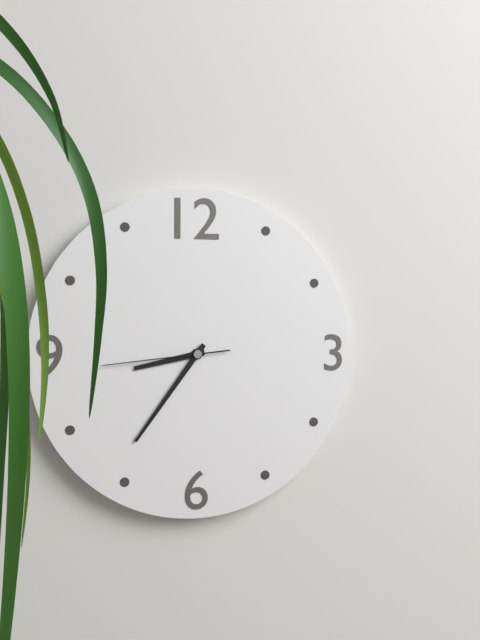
{"hour": 8, "minute": 36, "second": 44}
